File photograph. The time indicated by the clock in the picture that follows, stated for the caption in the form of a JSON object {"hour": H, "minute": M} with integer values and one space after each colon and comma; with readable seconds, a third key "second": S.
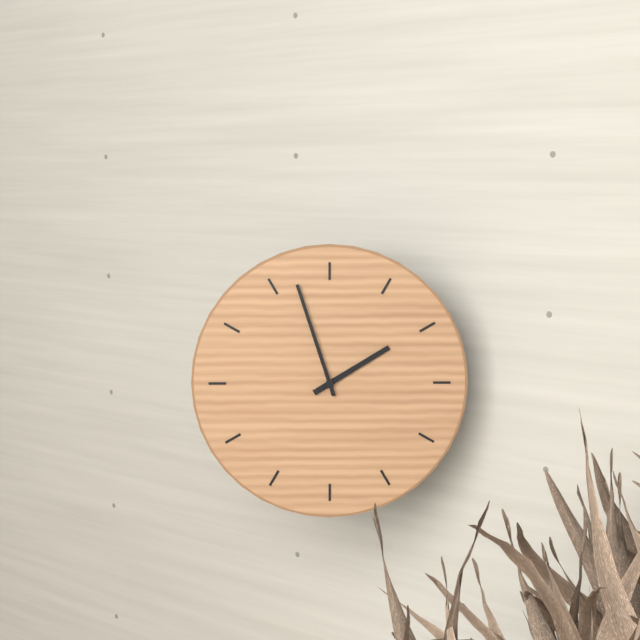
{"hour": 1, "minute": 57}
